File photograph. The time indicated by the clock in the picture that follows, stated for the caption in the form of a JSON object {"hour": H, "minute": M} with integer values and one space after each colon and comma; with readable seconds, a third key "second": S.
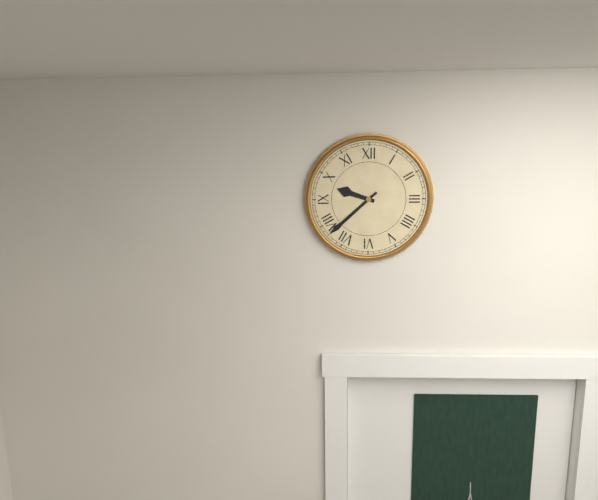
{"hour": 9, "minute": 38}
